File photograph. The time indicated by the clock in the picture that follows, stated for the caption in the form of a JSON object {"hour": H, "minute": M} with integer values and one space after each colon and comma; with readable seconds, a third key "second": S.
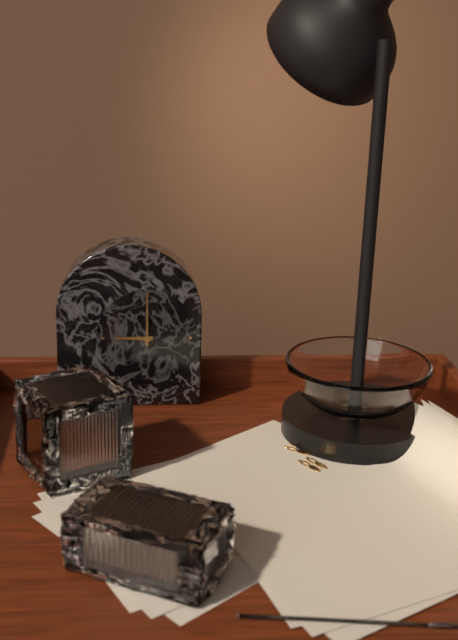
{"hour": 9, "minute": 0}
